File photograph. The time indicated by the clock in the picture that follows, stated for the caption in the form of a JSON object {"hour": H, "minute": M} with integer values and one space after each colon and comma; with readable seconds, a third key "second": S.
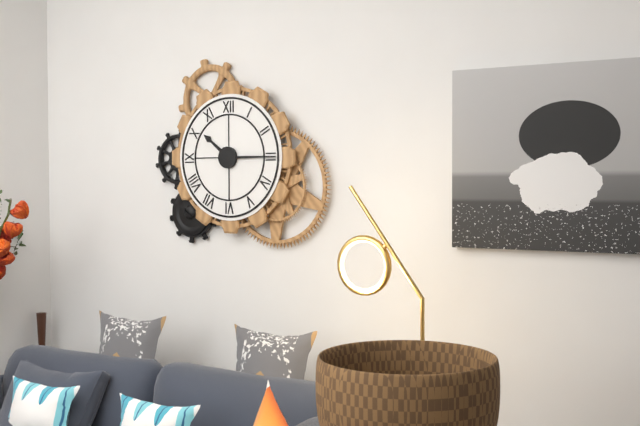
{"hour": 10, "minute": 15}
